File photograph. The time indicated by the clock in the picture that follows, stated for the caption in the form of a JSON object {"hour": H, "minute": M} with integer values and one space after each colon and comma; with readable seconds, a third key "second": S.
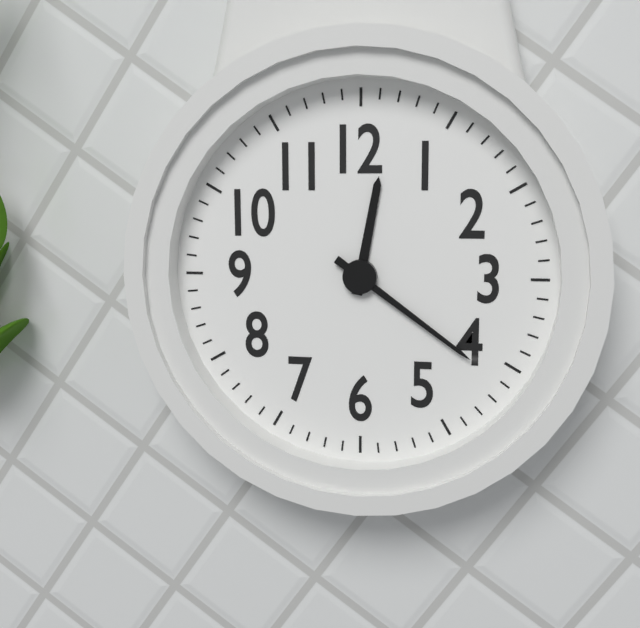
{"hour": 12, "minute": 21}
